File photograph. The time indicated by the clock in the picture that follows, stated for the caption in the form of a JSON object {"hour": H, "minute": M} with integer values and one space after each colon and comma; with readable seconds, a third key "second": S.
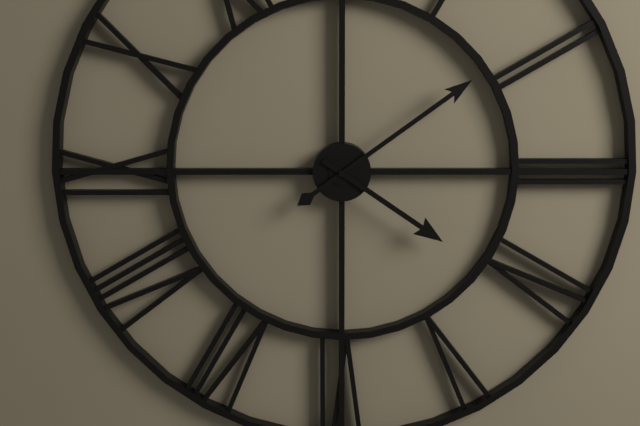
{"hour": 4, "minute": 9}
